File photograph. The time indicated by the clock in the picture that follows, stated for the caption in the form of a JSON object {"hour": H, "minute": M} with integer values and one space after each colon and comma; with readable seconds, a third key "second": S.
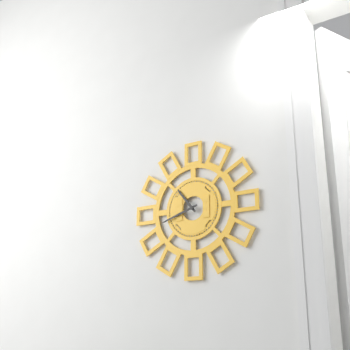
{"hour": 10, "minute": 42}
